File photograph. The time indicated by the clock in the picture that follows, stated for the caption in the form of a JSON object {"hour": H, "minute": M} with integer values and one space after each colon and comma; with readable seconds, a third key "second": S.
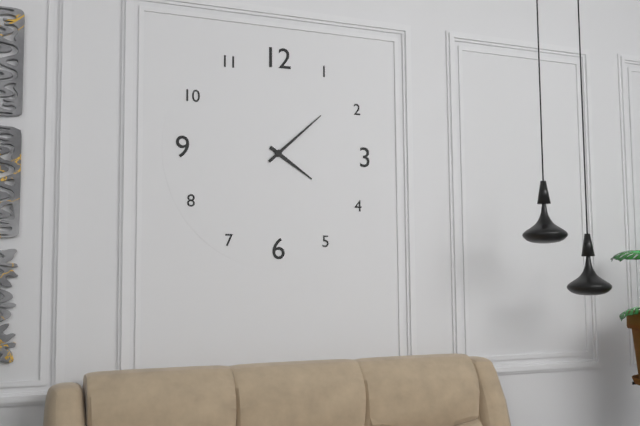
{"hour": 4, "minute": 8}
